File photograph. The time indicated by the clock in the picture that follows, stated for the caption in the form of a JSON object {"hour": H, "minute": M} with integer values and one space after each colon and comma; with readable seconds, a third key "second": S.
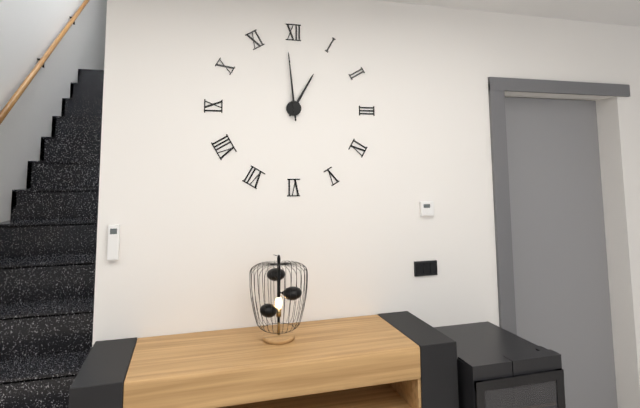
{"hour": 12, "minute": 59}
